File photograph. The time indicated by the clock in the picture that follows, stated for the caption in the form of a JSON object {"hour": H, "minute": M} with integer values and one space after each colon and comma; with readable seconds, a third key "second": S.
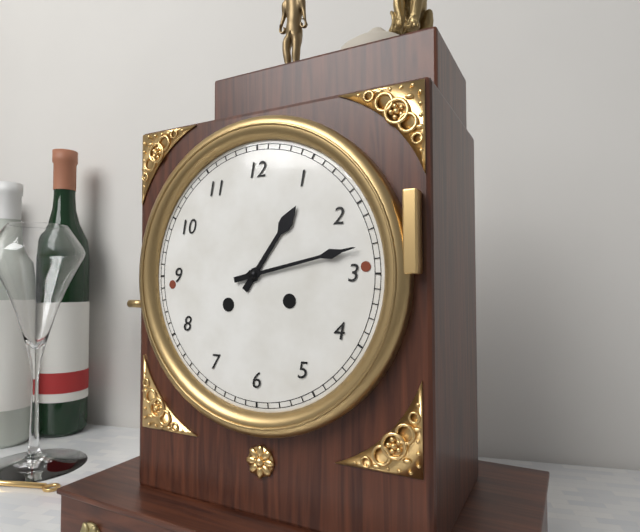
{"hour": 1, "minute": 13}
